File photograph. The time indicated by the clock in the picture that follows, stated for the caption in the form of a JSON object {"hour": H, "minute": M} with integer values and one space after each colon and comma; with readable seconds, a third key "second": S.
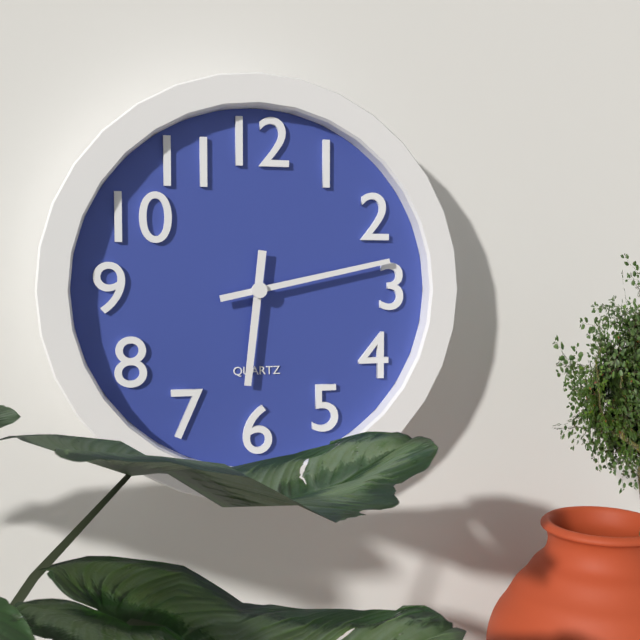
{"hour": 6, "minute": 13}
